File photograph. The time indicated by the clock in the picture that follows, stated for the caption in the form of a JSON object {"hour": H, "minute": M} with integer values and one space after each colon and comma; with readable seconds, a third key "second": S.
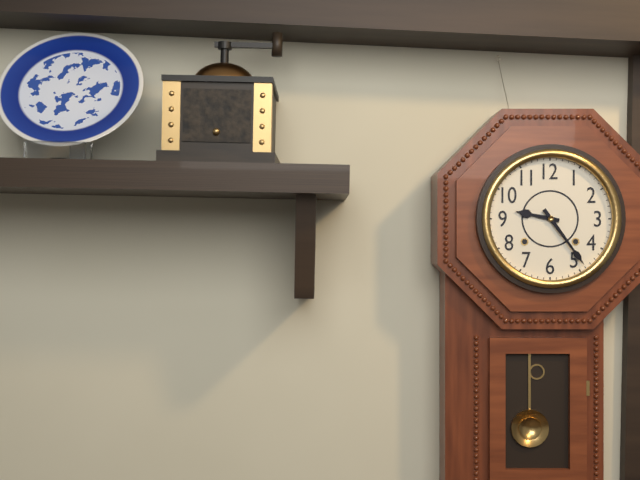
{"hour": 9, "minute": 24}
